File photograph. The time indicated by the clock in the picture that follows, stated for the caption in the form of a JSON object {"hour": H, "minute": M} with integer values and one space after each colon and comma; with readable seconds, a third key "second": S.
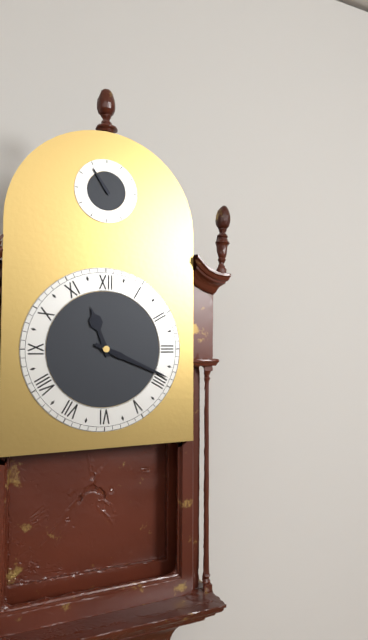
{"hour": 11, "minute": 19}
